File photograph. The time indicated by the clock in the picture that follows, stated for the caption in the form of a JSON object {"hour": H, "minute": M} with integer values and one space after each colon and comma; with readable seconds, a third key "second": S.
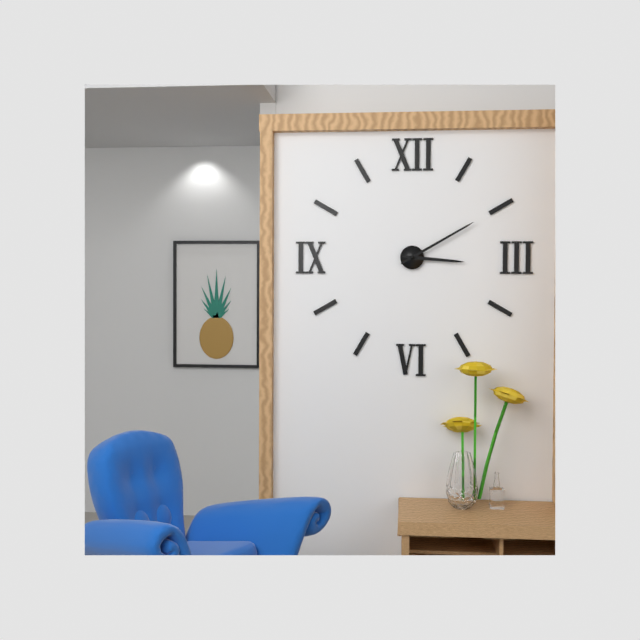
{"hour": 3, "minute": 10}
